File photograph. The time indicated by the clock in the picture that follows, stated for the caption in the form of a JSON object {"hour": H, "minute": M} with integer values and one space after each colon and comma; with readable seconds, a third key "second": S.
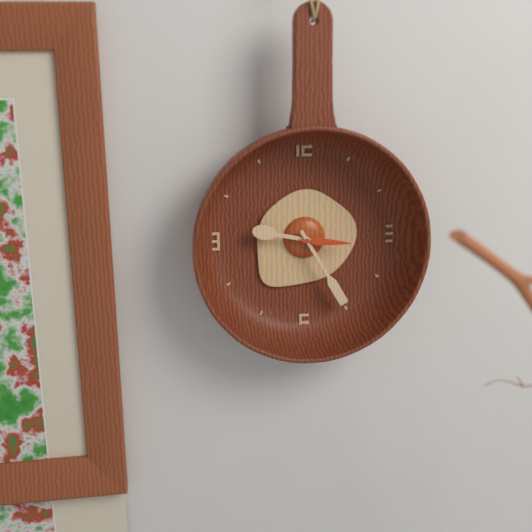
{"hour": 9, "minute": 25, "second": 16}
